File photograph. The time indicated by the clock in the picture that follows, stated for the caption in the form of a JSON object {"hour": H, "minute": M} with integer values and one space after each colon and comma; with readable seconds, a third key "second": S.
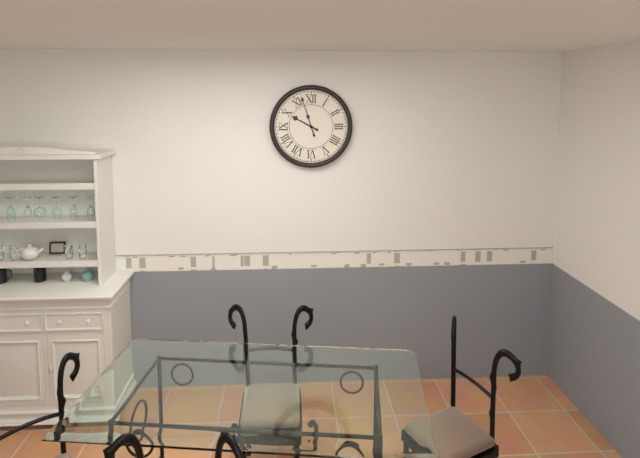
{"hour": 9, "minute": 57}
